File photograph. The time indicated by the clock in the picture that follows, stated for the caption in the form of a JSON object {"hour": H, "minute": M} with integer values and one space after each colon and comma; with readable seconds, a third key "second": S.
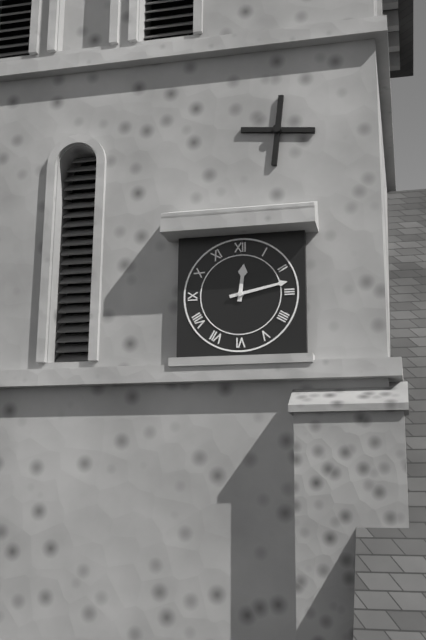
{"hour": 12, "minute": 13}
